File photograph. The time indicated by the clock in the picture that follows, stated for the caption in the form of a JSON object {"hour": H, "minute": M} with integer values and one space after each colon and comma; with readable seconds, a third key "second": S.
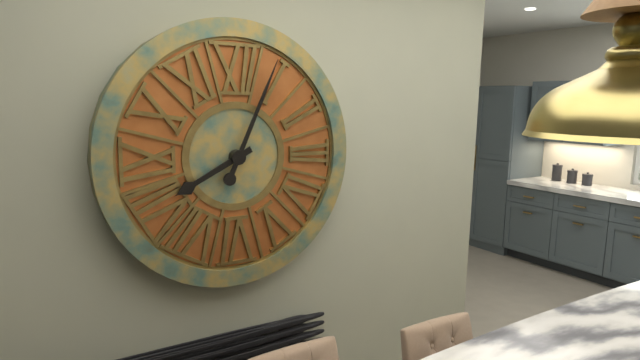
{"hour": 8, "minute": 4}
